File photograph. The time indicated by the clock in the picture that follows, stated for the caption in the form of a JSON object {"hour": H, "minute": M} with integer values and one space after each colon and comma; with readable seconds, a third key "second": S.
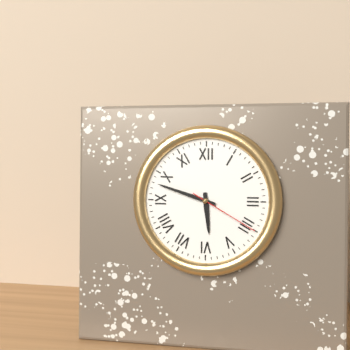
{"hour": 5, "minute": 48, "second": 20}
